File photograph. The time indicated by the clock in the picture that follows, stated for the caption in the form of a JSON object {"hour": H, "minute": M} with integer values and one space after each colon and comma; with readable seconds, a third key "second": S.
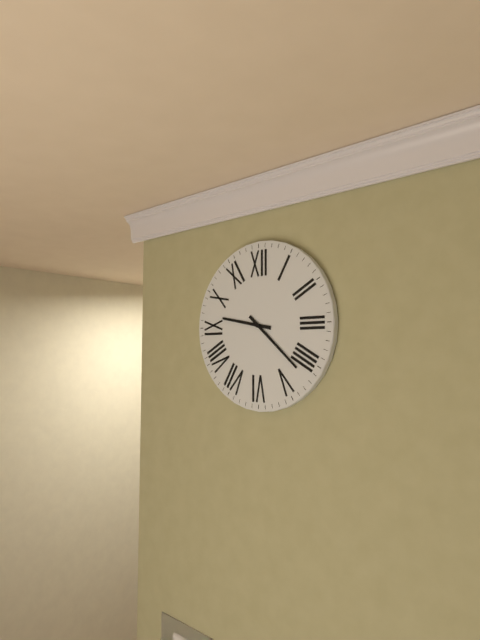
{"hour": 9, "minute": 22}
